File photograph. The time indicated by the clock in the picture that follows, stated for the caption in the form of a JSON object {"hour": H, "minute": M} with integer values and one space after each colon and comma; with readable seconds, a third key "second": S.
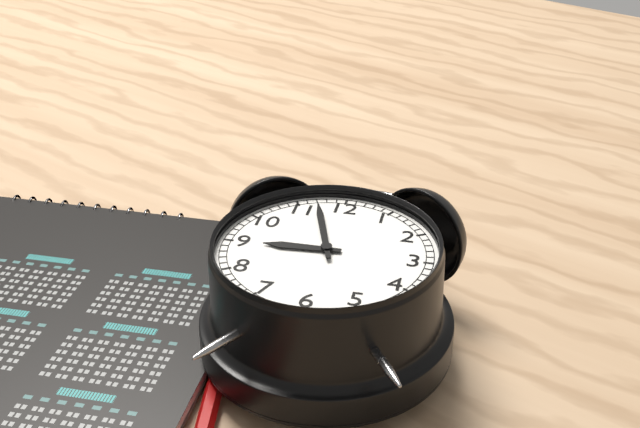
{"hour": 8, "minute": 57}
